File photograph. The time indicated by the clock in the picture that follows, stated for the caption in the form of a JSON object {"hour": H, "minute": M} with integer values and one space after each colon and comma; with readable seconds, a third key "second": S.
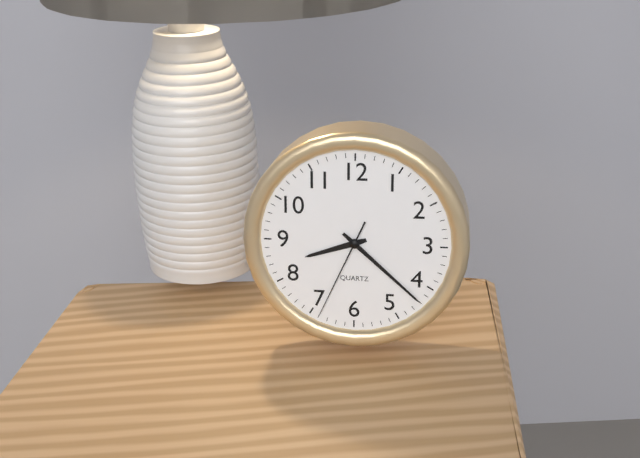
{"hour": 8, "minute": 22, "second": 34}
